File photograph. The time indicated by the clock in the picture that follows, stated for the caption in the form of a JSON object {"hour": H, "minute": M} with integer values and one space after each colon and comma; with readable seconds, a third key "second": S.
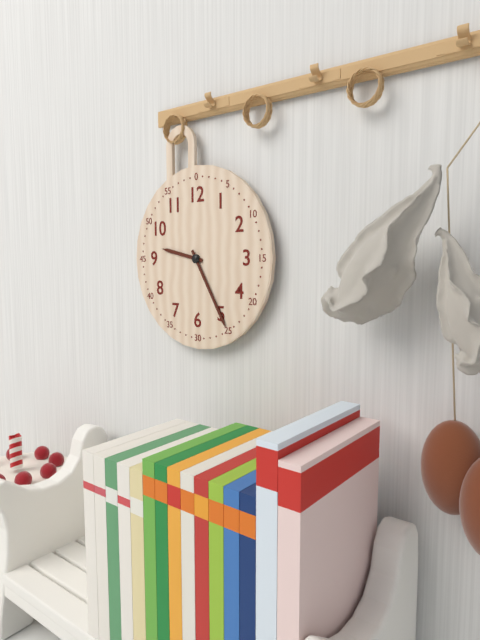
{"hour": 9, "minute": 25}
